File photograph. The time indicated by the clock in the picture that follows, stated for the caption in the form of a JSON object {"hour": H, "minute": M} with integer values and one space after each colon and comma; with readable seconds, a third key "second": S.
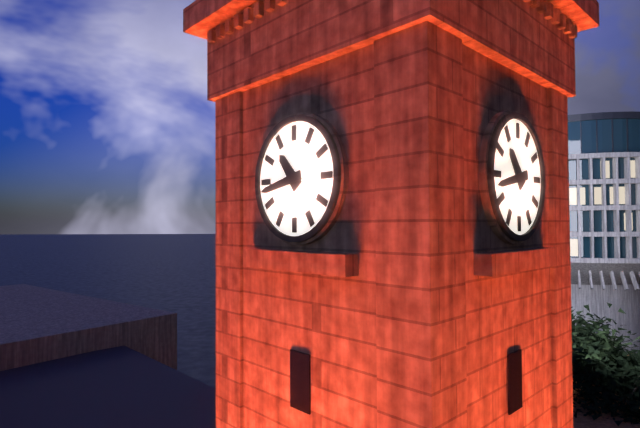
{"hour": 10, "minute": 43}
